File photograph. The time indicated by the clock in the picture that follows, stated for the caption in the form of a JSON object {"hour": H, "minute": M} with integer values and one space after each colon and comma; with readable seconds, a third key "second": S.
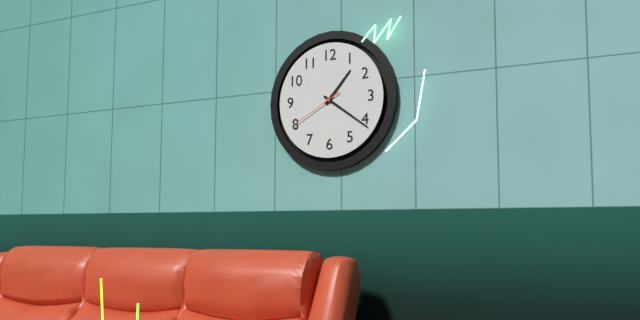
{"hour": 1, "minute": 21, "second": 40}
